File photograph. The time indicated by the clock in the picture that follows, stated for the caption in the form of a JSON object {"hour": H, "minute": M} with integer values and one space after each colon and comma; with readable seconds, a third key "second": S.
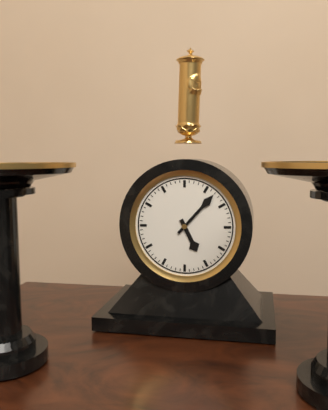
{"hour": 5, "minute": 7}
